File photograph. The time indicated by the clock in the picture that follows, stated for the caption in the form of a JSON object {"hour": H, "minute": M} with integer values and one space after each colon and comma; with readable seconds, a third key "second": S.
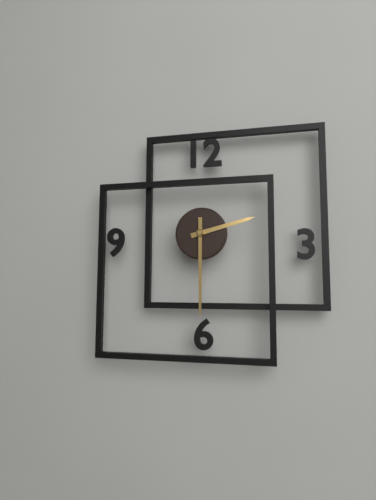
{"hour": 2, "minute": 30}
